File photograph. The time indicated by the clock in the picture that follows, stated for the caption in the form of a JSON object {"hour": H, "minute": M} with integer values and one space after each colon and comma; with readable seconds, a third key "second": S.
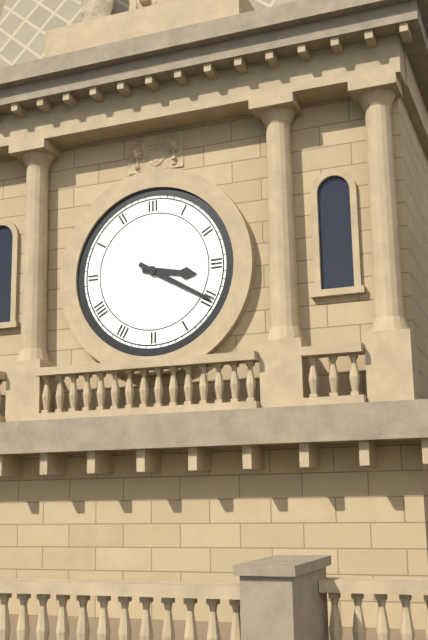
{"hour": 3, "minute": 20}
